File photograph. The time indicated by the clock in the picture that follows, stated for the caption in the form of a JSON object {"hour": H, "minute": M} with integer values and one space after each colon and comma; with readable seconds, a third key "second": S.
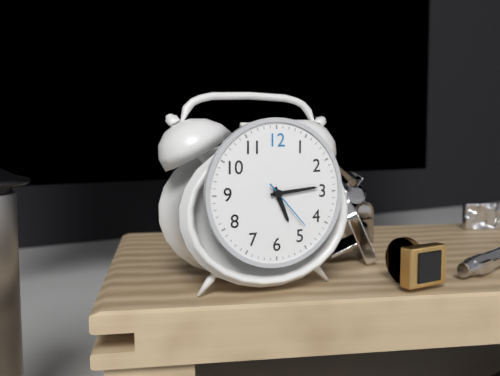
{"hour": 5, "minute": 14, "second": 23}
